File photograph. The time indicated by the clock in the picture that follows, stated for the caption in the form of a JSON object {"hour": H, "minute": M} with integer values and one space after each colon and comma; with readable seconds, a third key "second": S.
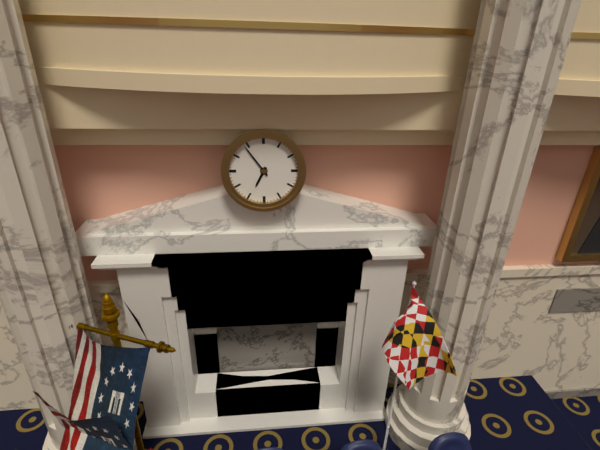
{"hour": 6, "minute": 54}
